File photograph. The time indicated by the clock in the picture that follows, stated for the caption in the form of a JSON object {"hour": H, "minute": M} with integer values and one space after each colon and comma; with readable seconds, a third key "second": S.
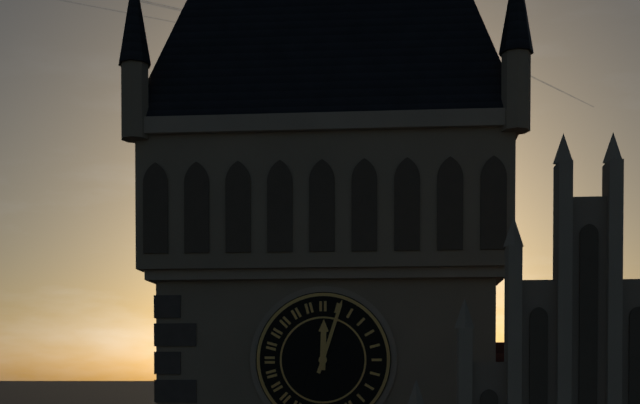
{"hour": 12, "minute": 3}
